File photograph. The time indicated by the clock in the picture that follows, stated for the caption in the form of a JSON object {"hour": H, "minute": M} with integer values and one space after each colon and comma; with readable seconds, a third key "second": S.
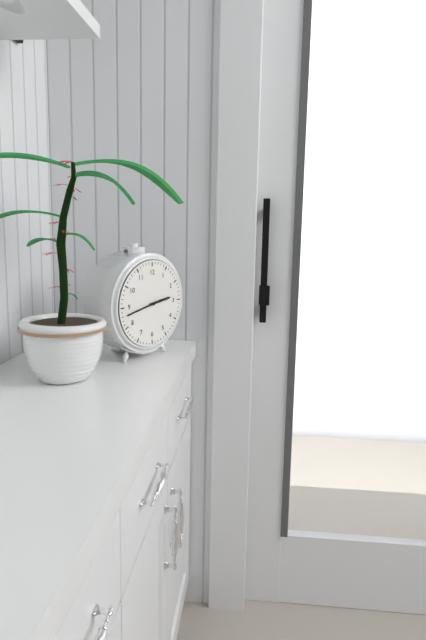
{"hour": 2, "minute": 43}
